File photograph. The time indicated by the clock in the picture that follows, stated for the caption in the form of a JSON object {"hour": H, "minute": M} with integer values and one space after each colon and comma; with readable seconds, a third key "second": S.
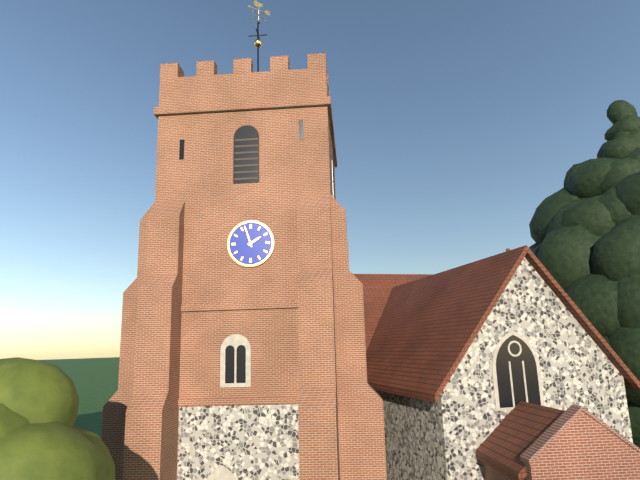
{"hour": 1, "minute": 57}
